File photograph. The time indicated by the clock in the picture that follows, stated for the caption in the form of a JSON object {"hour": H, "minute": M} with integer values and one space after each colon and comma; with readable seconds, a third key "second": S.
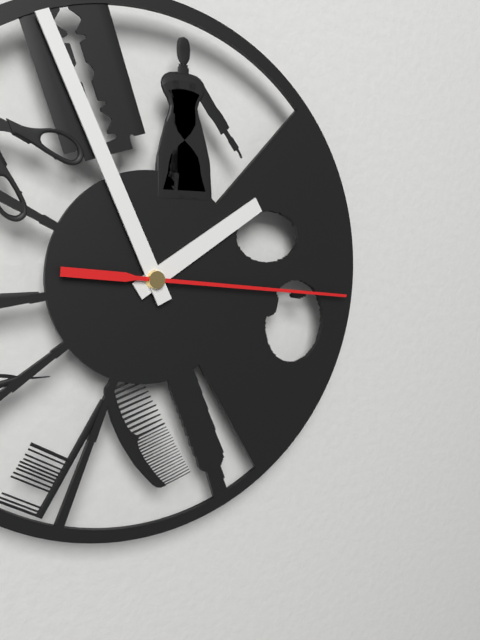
{"hour": 1, "minute": 56, "second": 16}
